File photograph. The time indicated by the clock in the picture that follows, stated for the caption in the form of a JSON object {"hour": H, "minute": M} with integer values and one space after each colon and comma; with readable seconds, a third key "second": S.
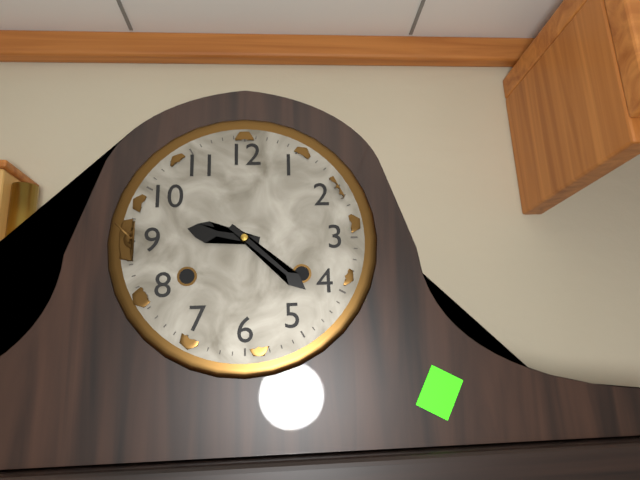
{"hour": 9, "minute": 22}
